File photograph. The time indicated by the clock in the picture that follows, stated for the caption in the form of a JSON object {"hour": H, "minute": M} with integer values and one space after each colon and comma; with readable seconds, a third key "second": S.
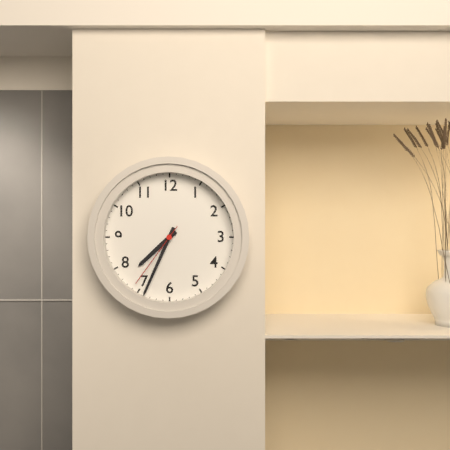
{"hour": 7, "minute": 34, "second": 36}
